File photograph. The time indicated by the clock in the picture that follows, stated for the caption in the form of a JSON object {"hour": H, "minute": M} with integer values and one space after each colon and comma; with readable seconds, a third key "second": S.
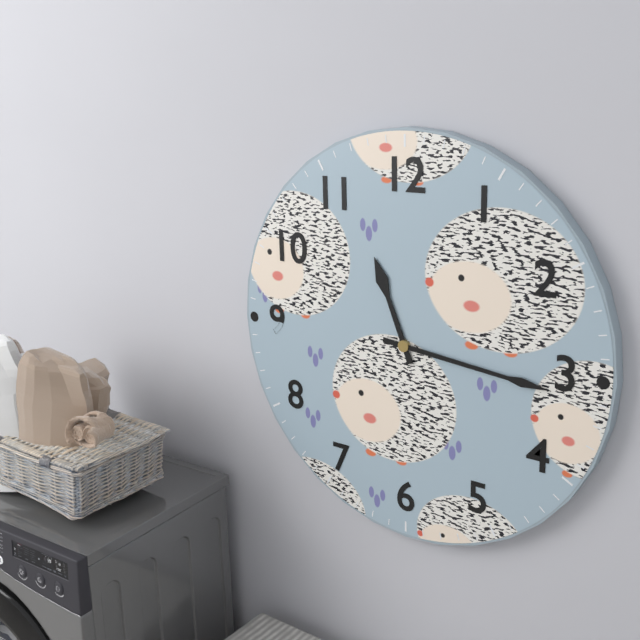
{"hour": 11, "minute": 16}
